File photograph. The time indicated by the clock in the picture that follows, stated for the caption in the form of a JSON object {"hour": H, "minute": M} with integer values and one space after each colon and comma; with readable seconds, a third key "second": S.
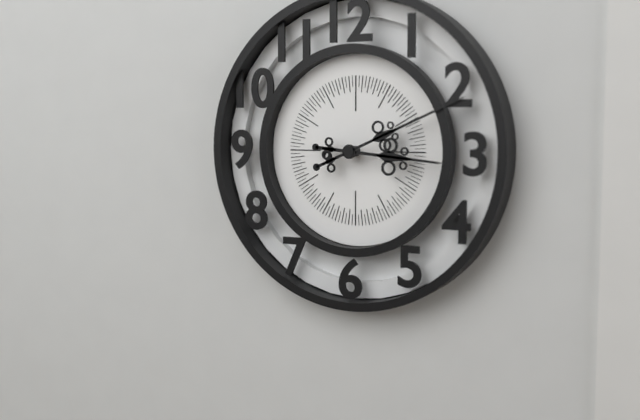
{"hour": 3, "minute": 11}
